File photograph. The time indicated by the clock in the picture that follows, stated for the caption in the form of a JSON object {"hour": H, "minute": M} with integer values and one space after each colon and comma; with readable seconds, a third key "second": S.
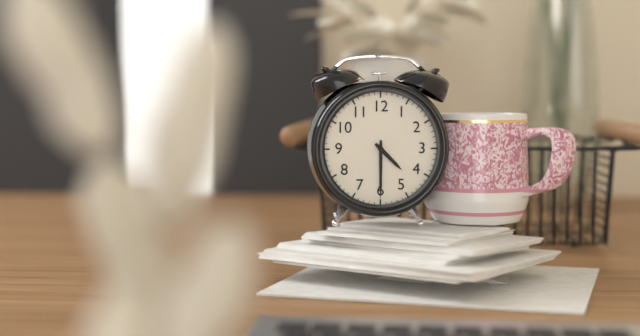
{"hour": 4, "minute": 30}
